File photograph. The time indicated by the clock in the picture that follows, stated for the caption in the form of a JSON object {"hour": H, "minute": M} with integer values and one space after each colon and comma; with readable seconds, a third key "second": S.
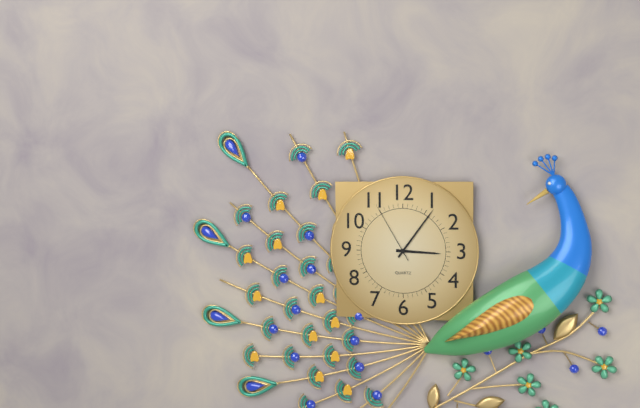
{"hour": 3, "minute": 6, "second": 55}
